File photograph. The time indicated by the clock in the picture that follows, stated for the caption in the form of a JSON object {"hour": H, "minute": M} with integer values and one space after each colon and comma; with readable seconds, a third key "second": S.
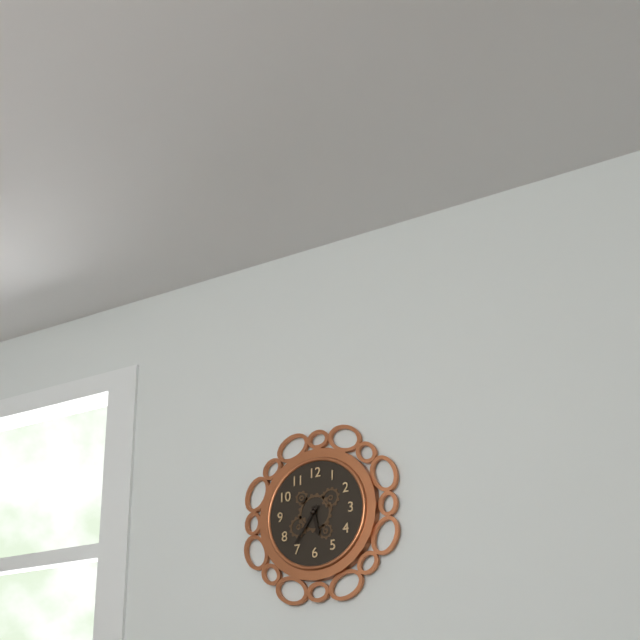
{"hour": 5, "minute": 36}
